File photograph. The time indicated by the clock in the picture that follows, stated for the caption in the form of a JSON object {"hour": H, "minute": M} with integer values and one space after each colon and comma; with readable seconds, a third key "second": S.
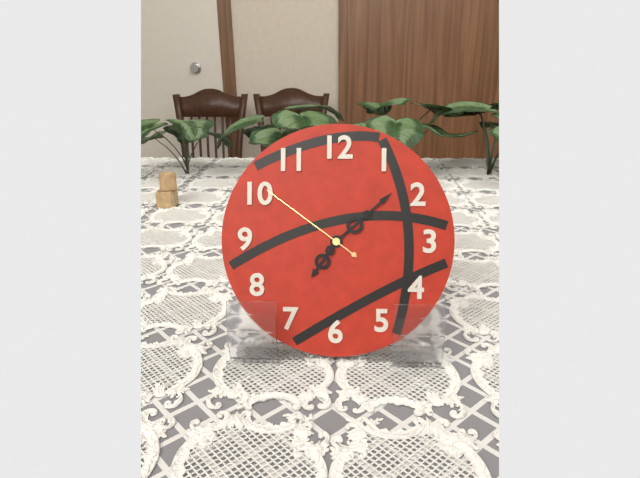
{"hour": 7, "minute": 8, "second": 51}
